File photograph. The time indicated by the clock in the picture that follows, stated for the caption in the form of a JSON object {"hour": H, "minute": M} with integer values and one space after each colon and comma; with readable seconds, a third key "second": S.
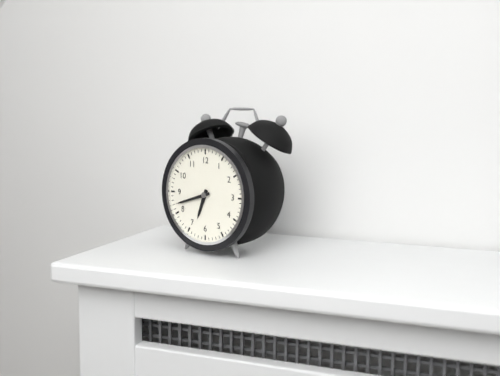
{"hour": 6, "minute": 42}
